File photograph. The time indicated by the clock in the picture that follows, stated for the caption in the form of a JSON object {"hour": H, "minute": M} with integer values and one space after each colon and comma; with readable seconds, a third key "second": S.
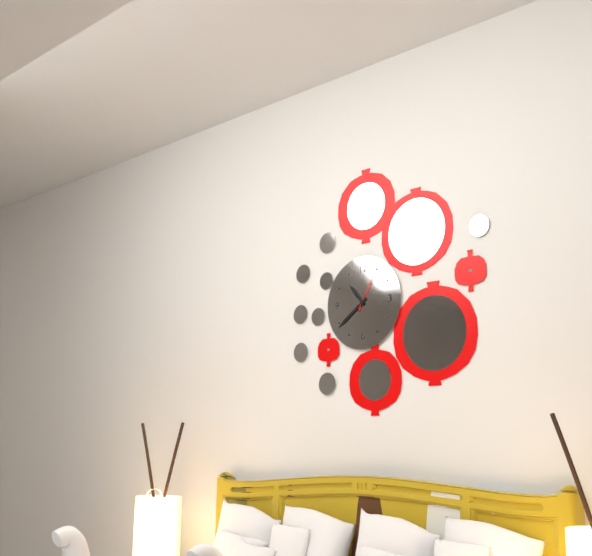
{"hour": 10, "minute": 39, "second": 5}
